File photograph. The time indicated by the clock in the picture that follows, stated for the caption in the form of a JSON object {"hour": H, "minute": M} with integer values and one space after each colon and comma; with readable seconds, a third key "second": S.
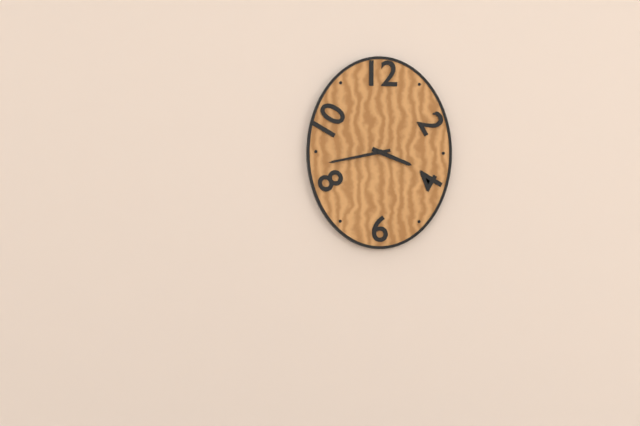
{"hour": 3, "minute": 43}
